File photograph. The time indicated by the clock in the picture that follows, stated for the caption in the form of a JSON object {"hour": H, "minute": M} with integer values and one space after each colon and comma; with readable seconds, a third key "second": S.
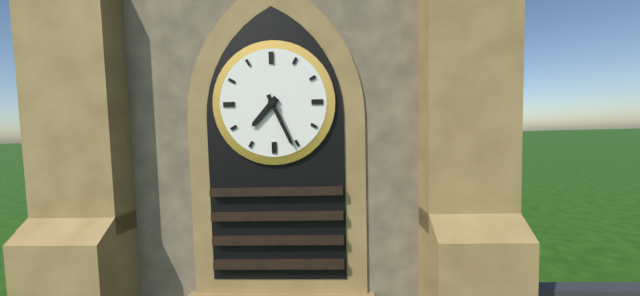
{"hour": 7, "minute": 26}
